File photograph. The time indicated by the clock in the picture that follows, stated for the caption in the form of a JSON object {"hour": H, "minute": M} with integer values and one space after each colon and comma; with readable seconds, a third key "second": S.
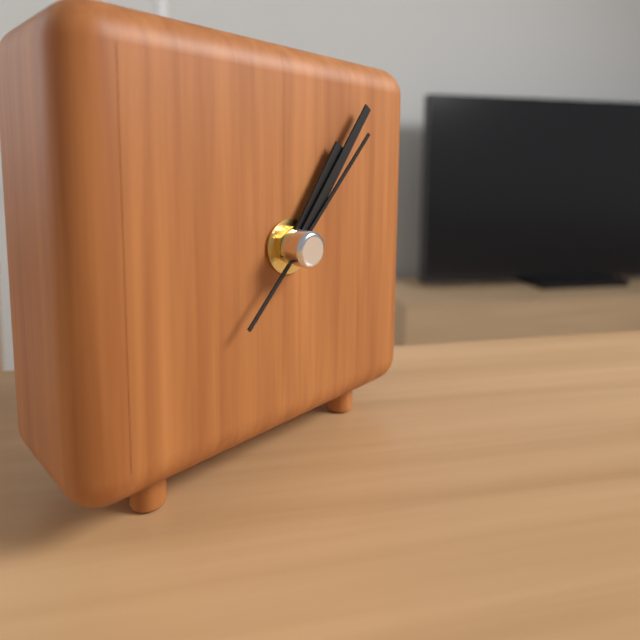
{"hour": 1, "minute": 6, "second": 7}
